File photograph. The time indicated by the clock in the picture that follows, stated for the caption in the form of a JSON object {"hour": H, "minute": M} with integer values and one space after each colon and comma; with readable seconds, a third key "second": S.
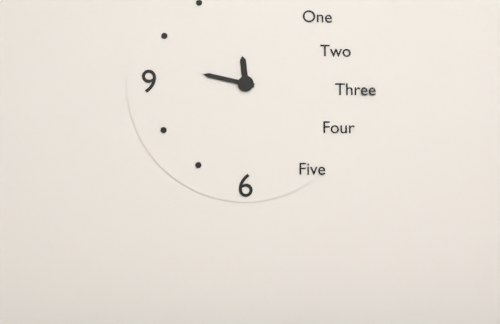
{"hour": 11, "minute": 47}
